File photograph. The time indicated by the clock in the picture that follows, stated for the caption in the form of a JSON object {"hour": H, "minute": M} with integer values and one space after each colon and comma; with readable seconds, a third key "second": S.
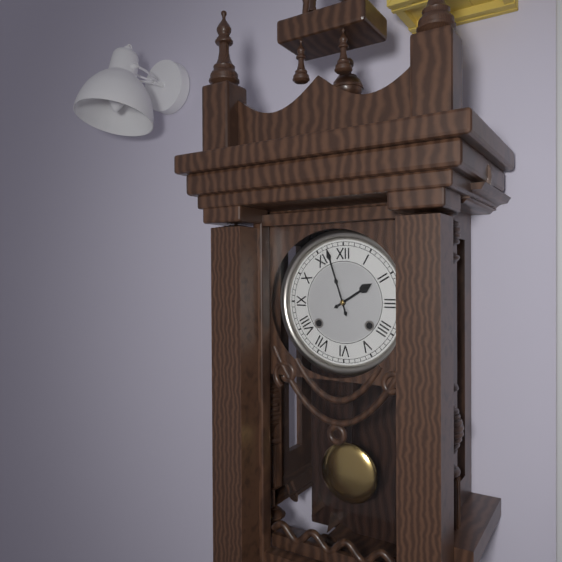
{"hour": 1, "minute": 57}
